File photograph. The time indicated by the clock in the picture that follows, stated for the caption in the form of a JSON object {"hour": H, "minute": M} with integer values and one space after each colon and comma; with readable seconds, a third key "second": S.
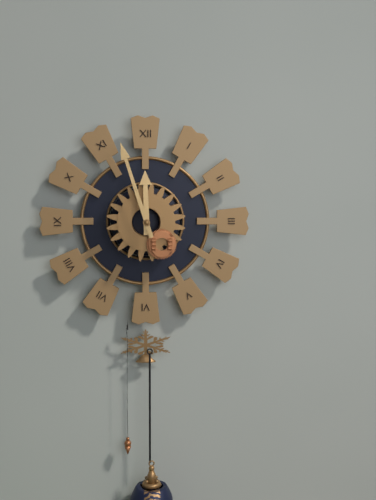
{"hour": 11, "minute": 57}
